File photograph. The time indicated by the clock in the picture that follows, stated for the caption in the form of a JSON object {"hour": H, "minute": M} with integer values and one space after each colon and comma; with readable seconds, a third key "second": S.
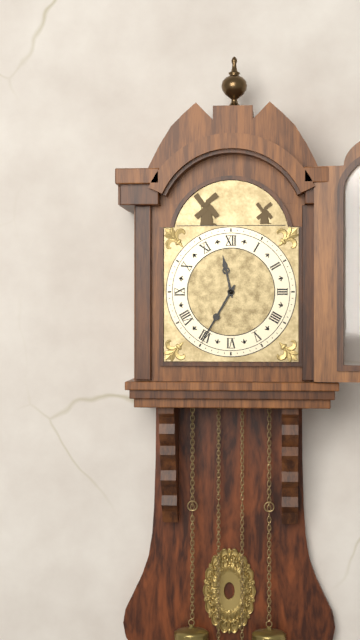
{"hour": 11, "minute": 35}
